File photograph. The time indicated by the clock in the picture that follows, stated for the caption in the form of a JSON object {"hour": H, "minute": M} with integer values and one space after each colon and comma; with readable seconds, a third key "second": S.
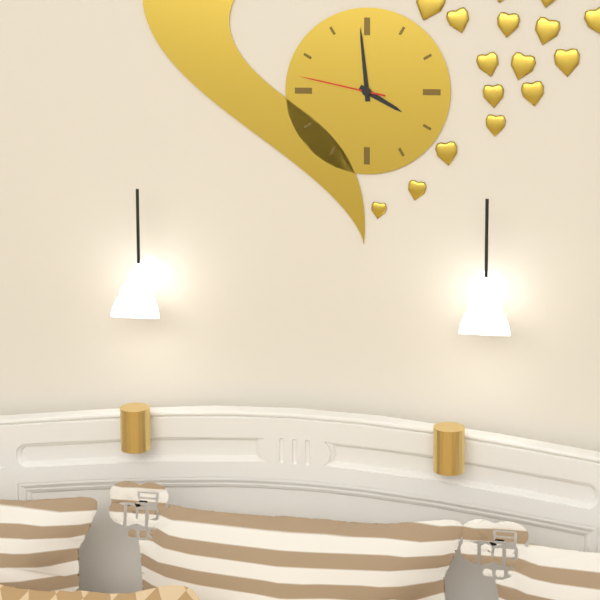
{"hour": 3, "minute": 59, "second": 47}
